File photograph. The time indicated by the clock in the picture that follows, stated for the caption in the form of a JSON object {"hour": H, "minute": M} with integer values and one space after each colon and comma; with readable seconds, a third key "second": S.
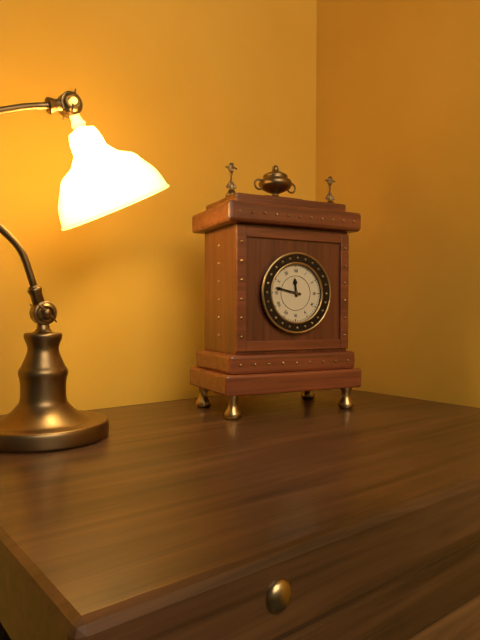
{"hour": 11, "minute": 47}
